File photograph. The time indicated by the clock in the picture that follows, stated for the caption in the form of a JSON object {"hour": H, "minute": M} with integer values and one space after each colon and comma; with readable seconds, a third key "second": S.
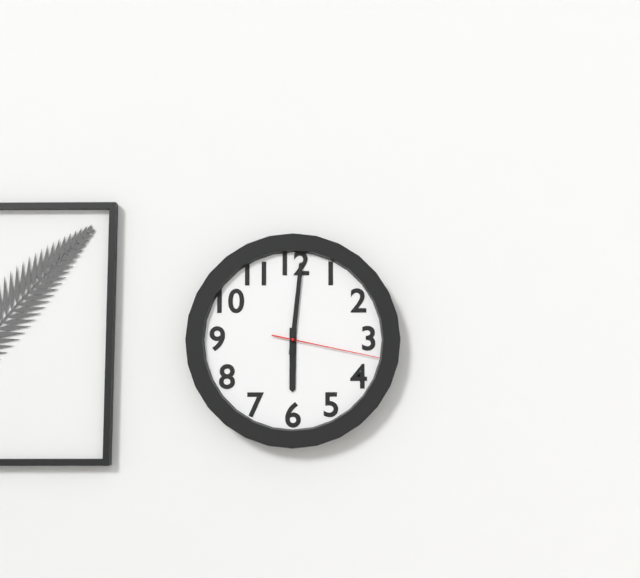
{"hour": 6, "minute": 1, "second": 17}
